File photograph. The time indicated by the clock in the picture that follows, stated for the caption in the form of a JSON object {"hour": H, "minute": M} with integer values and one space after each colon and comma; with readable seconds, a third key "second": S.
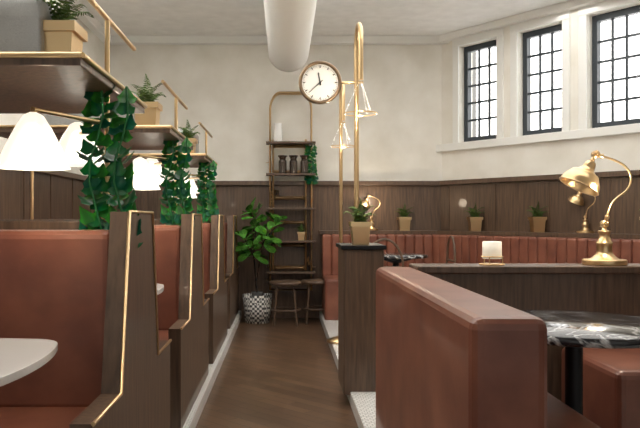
{"hour": 11, "minute": 38}
